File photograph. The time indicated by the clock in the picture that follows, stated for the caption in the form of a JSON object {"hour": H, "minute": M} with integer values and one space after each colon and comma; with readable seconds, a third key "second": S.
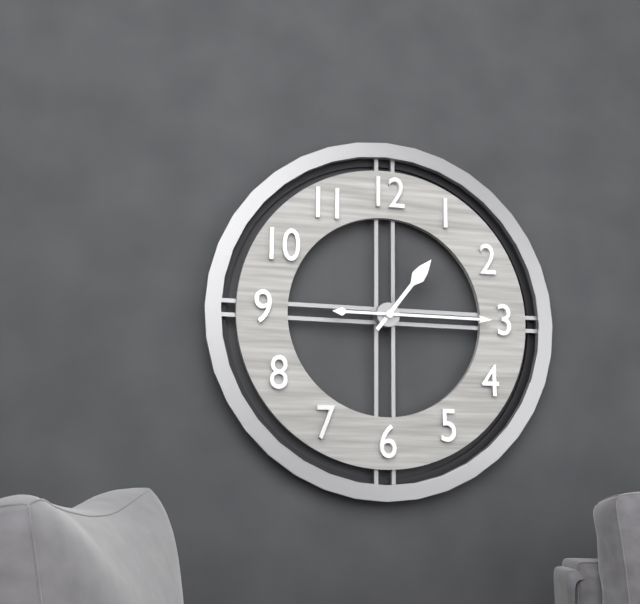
{"hour": 1, "minute": 15}
